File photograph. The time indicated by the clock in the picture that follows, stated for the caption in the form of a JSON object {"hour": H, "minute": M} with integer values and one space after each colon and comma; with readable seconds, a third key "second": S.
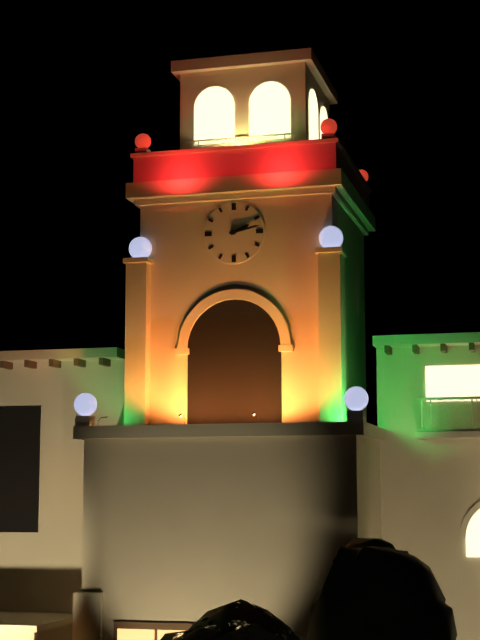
{"hour": 2, "minute": 13}
